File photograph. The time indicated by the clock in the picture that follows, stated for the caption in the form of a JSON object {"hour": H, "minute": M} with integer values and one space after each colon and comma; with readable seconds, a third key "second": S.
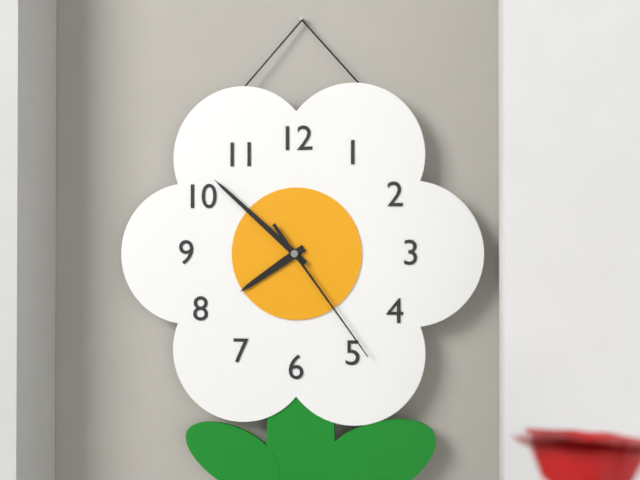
{"hour": 7, "minute": 52, "second": 24}
